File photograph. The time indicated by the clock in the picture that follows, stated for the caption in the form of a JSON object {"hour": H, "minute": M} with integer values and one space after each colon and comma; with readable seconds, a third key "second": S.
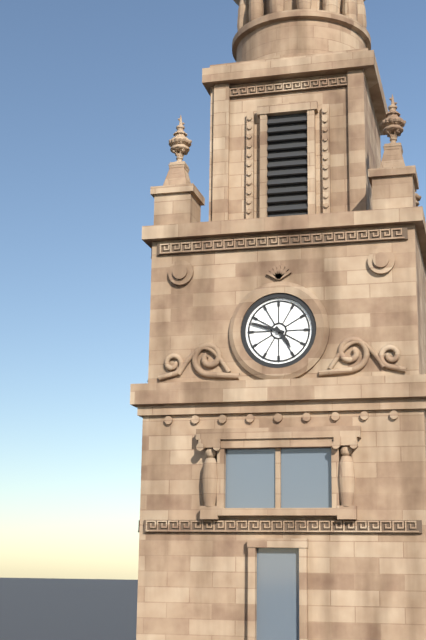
{"hour": 4, "minute": 48}
